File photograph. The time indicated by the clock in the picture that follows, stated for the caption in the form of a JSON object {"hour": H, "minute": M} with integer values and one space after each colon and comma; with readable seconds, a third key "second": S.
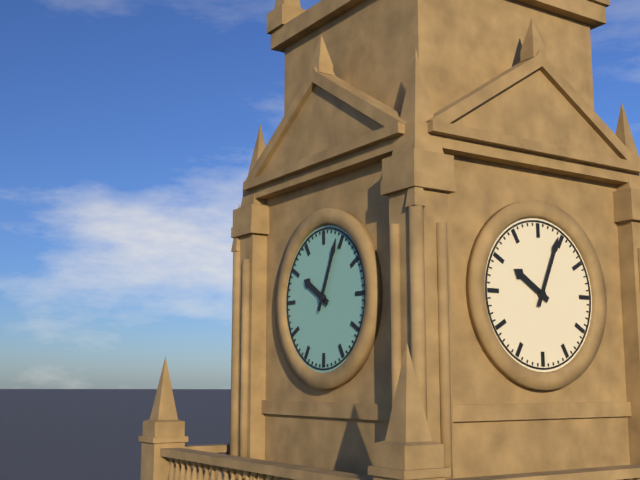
{"hour": 10, "minute": 4}
